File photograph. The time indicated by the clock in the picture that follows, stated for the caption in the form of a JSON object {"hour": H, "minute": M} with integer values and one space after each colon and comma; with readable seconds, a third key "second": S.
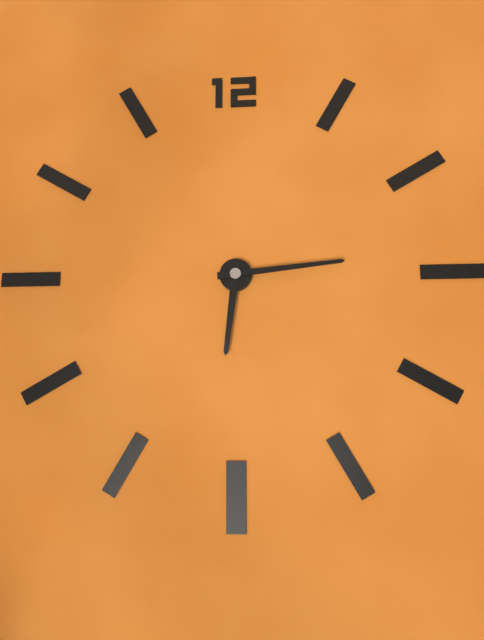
{"hour": 6, "minute": 14}
